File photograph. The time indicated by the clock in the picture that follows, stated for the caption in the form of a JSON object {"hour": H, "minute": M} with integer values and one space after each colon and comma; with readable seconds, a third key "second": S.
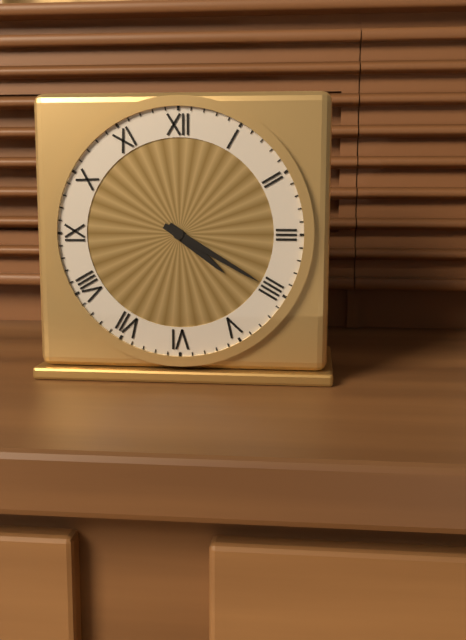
{"hour": 4, "minute": 20}
